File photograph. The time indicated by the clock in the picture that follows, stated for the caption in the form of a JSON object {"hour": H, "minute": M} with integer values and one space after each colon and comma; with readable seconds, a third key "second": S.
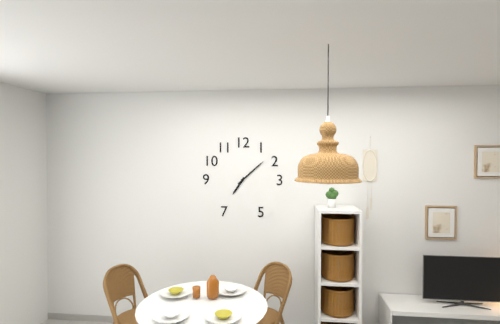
{"hour": 7, "minute": 8}
